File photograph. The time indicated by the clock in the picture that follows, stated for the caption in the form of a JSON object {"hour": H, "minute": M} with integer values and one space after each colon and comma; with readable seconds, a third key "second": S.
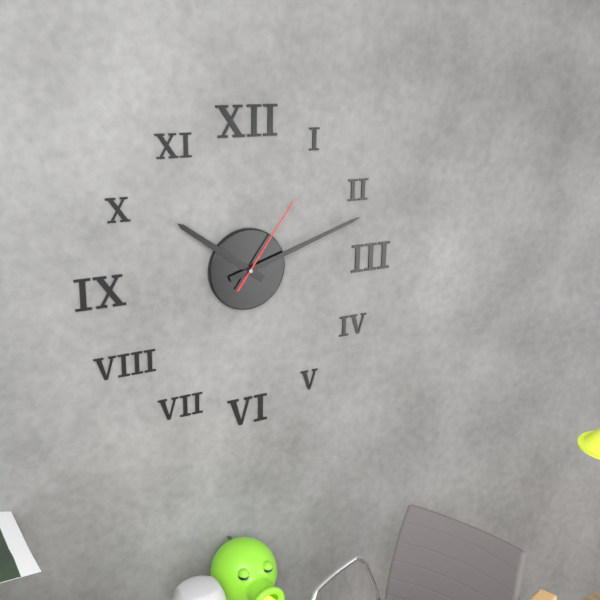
{"hour": 10, "minute": 12, "second": 6}
